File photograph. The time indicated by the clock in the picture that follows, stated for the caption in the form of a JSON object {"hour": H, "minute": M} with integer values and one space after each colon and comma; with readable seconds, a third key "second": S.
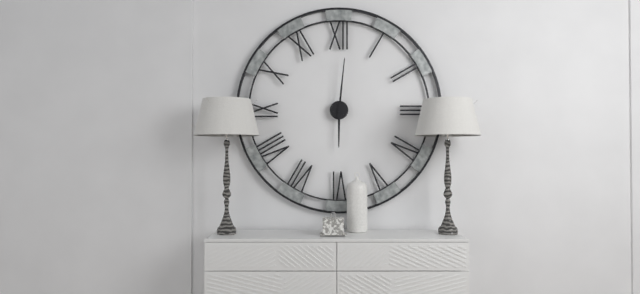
{"hour": 6, "minute": 1}
